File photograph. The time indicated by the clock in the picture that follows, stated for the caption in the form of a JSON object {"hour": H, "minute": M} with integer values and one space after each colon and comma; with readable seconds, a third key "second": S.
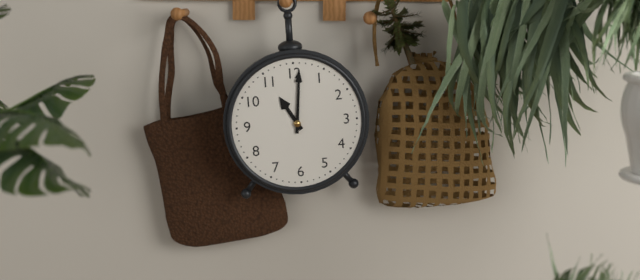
{"hour": 11, "minute": 1}
